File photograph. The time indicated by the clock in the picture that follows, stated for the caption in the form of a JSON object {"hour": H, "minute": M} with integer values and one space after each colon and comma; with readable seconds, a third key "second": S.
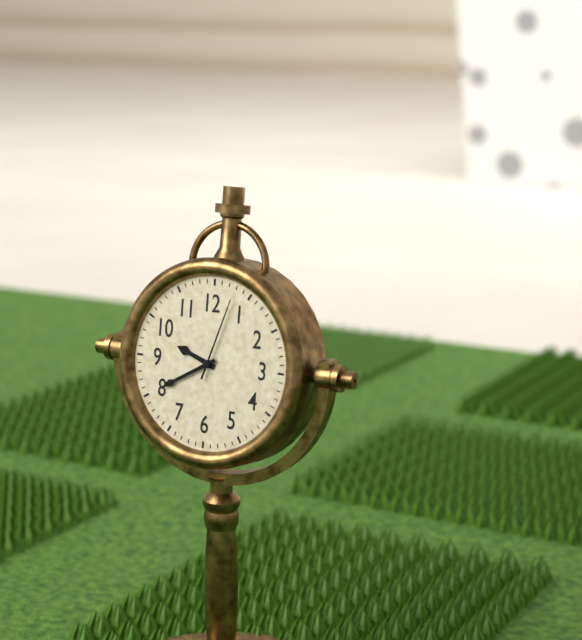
{"hour": 9, "minute": 40, "second": 3}
